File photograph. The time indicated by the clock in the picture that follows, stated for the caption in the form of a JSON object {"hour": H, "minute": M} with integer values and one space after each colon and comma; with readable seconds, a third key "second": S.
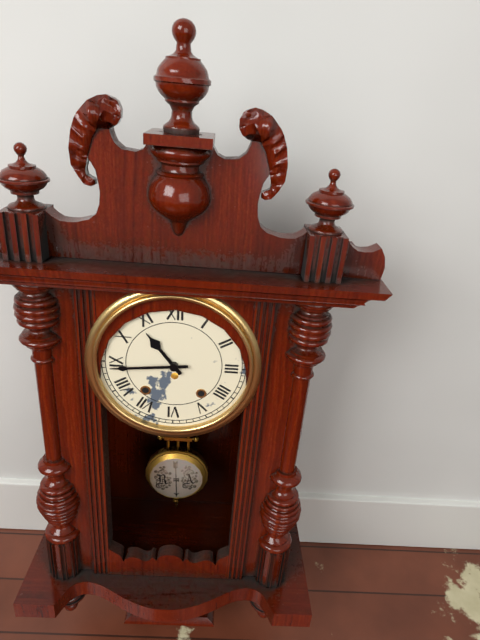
{"hour": 10, "minute": 44}
